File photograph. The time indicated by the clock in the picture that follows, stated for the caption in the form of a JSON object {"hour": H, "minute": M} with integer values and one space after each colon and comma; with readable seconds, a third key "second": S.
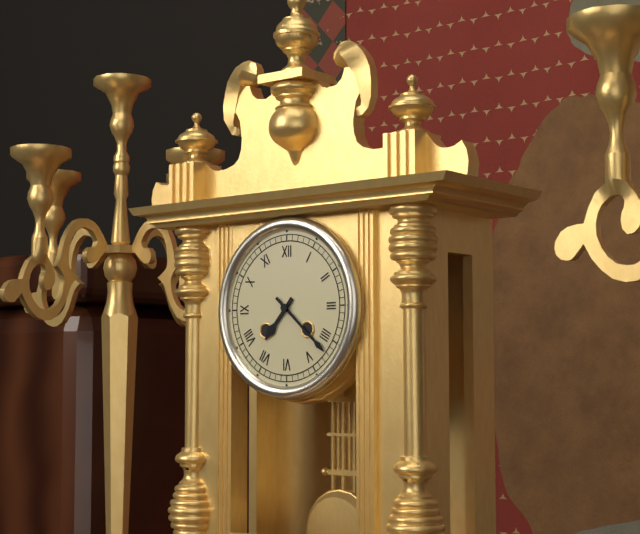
{"hour": 7, "minute": 22}
